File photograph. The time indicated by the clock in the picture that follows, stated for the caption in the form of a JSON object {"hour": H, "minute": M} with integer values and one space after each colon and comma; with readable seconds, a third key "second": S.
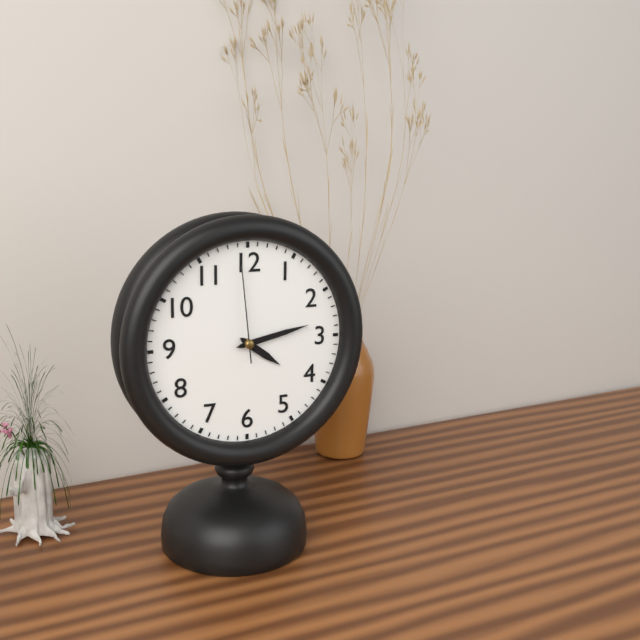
{"hour": 4, "minute": 13, "second": 59}
